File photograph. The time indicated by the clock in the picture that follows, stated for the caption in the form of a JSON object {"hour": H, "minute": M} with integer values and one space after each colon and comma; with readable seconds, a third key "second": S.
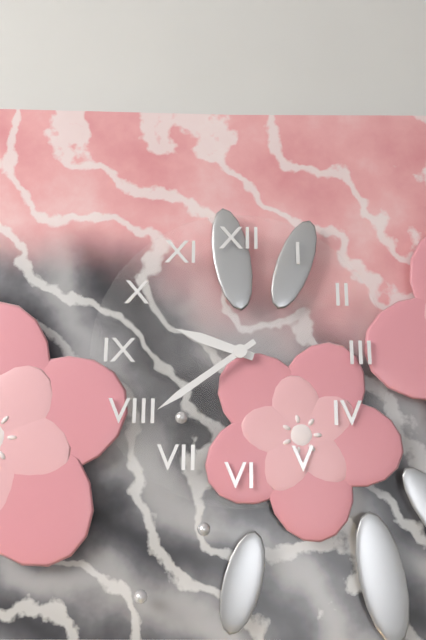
{"hour": 9, "minute": 39}
